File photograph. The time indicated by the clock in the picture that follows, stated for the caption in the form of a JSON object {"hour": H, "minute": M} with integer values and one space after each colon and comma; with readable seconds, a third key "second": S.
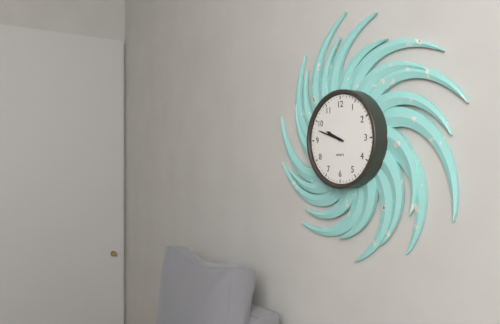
{"hour": 9, "minute": 48}
